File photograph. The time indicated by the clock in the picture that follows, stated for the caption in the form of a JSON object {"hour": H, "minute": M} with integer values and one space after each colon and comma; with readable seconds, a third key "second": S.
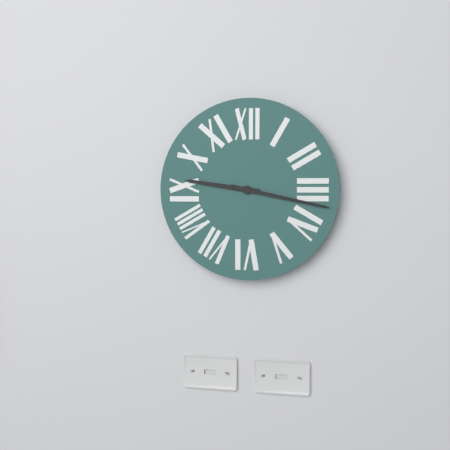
{"hour": 9, "minute": 17}
